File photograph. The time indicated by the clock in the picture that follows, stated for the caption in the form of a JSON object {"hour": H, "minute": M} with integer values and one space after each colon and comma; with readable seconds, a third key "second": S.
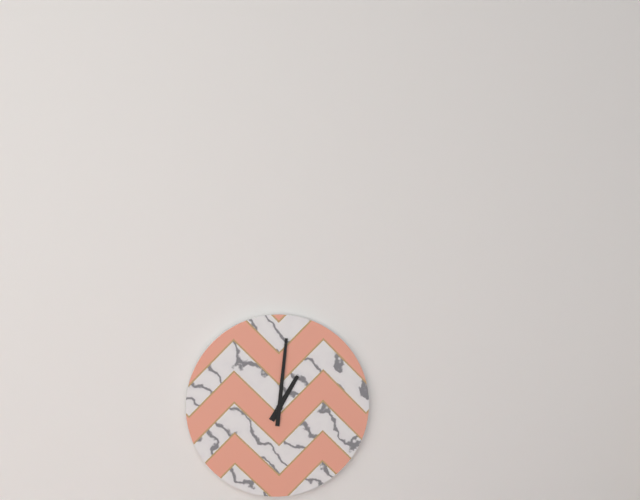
{"hour": 1, "minute": 1}
